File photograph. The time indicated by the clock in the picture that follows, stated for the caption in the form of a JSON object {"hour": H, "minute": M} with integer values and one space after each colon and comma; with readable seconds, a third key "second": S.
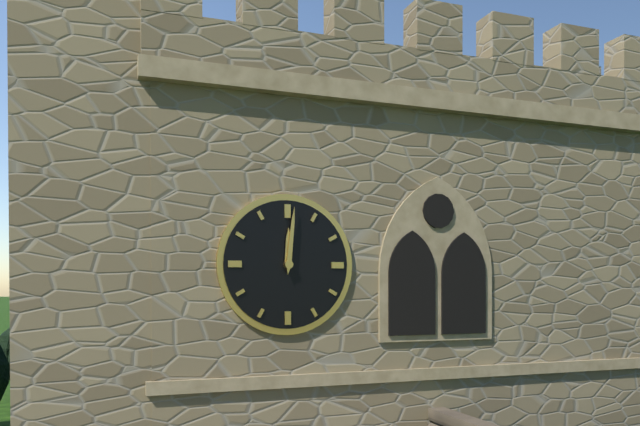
{"hour": 12, "minute": 1}
